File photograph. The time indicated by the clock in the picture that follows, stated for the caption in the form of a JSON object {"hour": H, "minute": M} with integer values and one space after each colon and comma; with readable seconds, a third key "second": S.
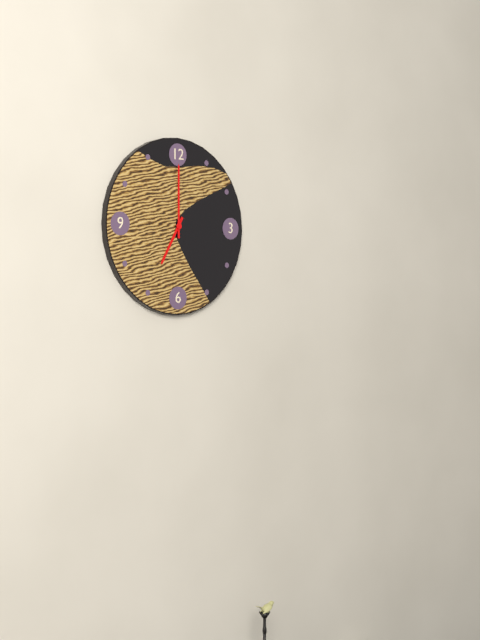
{"hour": 7, "minute": 0}
